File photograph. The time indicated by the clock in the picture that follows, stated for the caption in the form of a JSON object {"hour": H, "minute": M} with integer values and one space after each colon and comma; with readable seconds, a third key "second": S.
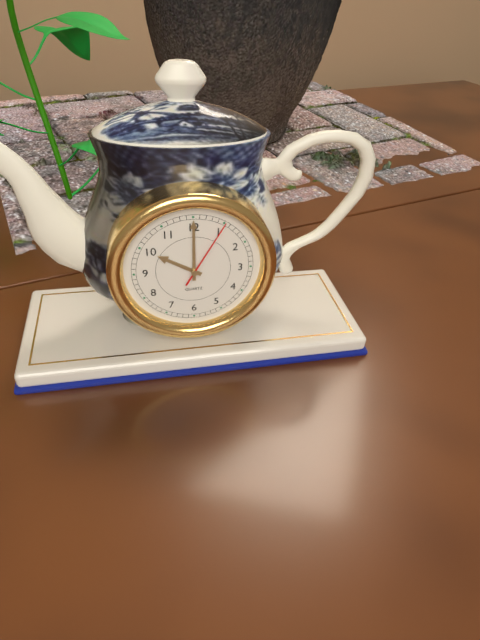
{"hour": 10, "minute": 0, "second": 5}
